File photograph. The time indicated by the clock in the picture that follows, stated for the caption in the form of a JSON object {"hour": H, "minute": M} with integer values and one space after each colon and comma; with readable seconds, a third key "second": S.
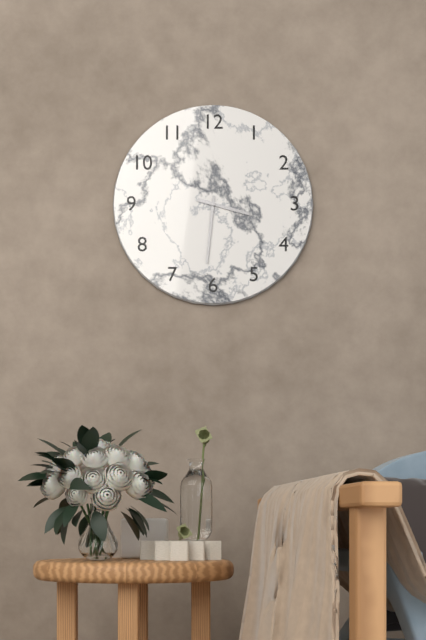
{"hour": 3, "minute": 31}
